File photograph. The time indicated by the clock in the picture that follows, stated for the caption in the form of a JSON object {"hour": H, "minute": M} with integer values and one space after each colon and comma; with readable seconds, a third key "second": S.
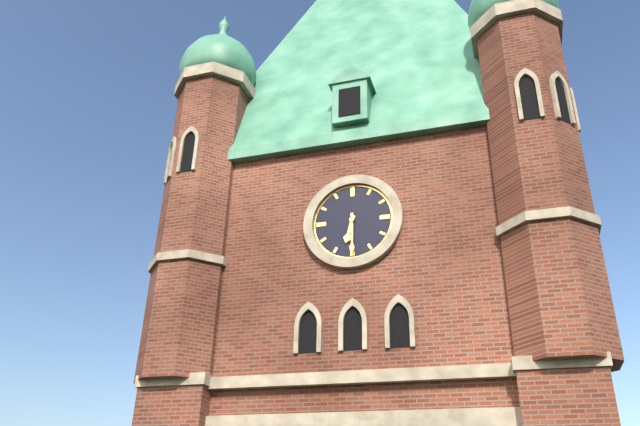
{"hour": 6, "minute": 30}
